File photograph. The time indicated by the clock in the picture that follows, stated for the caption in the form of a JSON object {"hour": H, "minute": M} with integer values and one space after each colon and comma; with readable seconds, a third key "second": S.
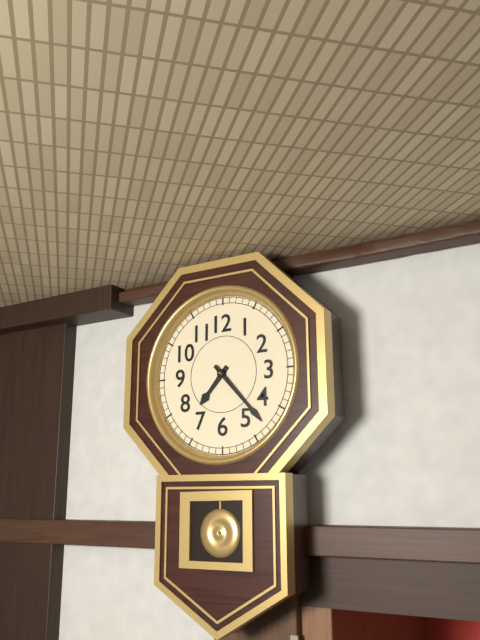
{"hour": 7, "minute": 23}
